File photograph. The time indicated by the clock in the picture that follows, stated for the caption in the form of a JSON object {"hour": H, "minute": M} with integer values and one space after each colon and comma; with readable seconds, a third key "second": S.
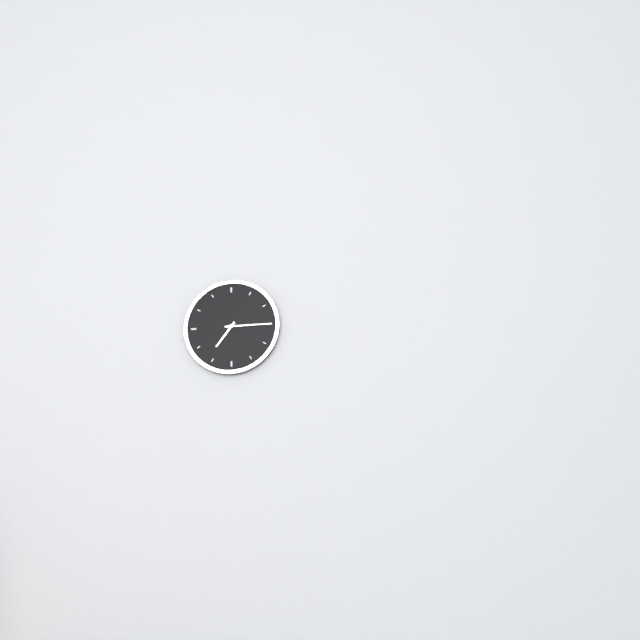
{"hour": 7, "minute": 15}
